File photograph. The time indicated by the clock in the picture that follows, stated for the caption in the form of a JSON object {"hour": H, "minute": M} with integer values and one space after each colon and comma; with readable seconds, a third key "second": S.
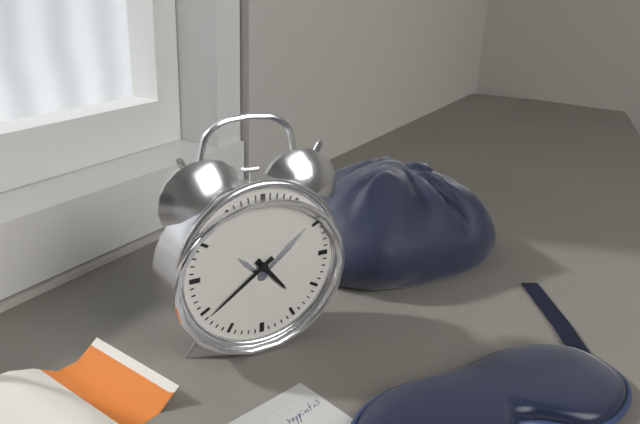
{"hour": 4, "minute": 39}
